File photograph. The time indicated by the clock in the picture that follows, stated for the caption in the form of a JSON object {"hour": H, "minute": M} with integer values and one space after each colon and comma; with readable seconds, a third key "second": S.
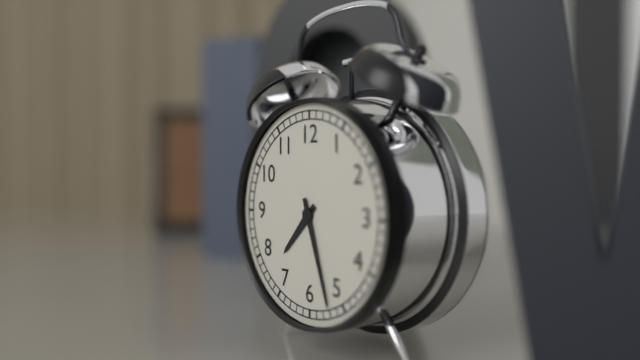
{"hour": 7, "minute": 27}
